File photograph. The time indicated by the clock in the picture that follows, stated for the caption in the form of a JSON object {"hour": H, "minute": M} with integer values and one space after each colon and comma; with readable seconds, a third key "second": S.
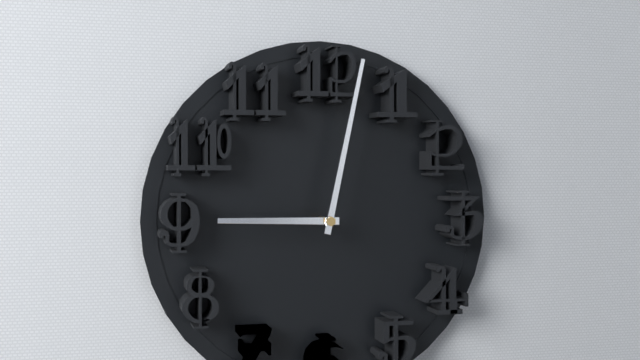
{"hour": 9, "minute": 2}
